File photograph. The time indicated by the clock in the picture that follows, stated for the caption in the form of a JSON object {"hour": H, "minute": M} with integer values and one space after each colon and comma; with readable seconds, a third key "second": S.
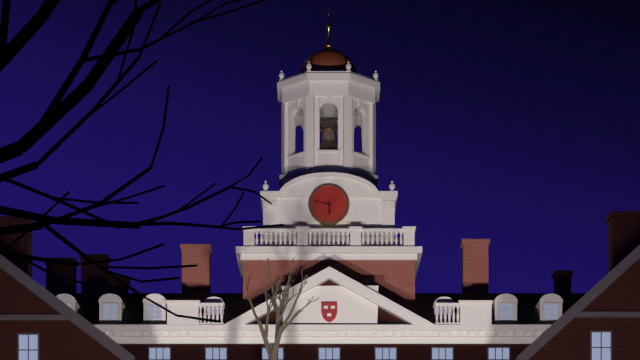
{"hour": 5, "minute": 47}
